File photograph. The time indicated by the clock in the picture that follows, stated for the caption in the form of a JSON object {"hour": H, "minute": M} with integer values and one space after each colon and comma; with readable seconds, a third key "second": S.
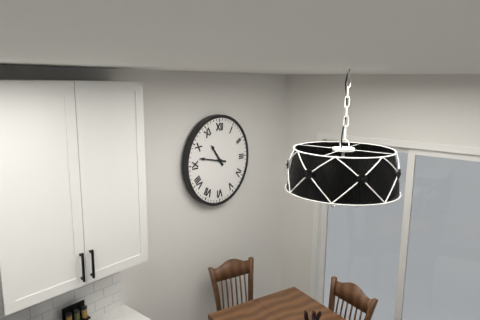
{"hour": 10, "minute": 47}
